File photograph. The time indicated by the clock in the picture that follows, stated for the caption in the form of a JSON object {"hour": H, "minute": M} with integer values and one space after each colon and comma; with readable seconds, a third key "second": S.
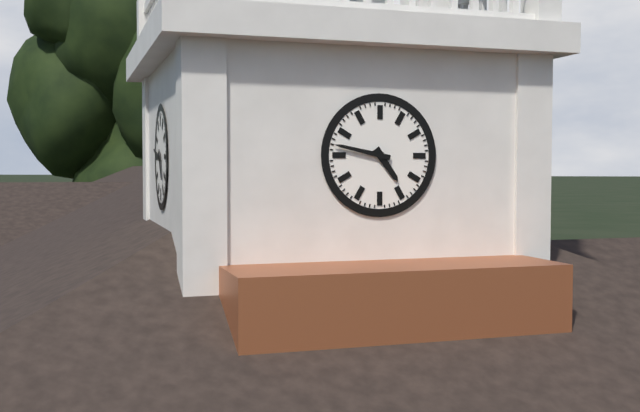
{"hour": 4, "minute": 47}
